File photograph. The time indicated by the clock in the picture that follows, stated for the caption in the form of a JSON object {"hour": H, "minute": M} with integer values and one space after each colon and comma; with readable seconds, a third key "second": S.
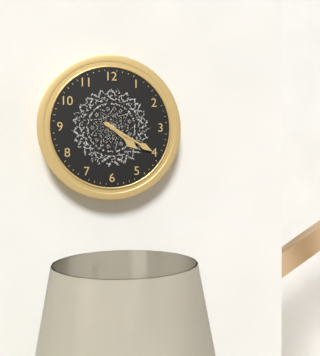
{"hour": 4, "minute": 20}
